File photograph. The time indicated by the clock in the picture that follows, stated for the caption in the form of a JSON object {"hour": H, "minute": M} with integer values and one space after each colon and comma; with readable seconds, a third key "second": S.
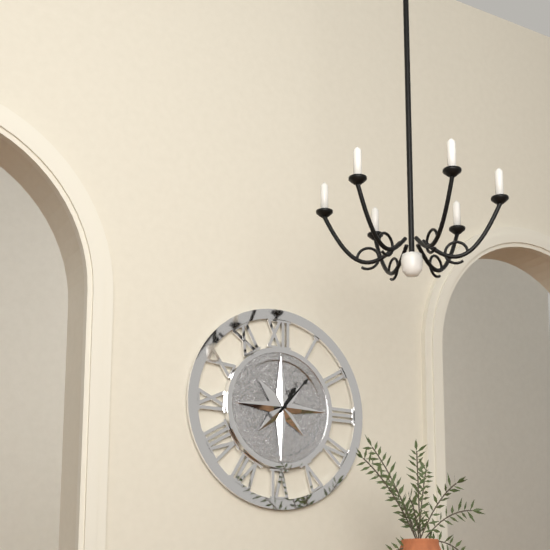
{"hour": 1, "minute": 7}
